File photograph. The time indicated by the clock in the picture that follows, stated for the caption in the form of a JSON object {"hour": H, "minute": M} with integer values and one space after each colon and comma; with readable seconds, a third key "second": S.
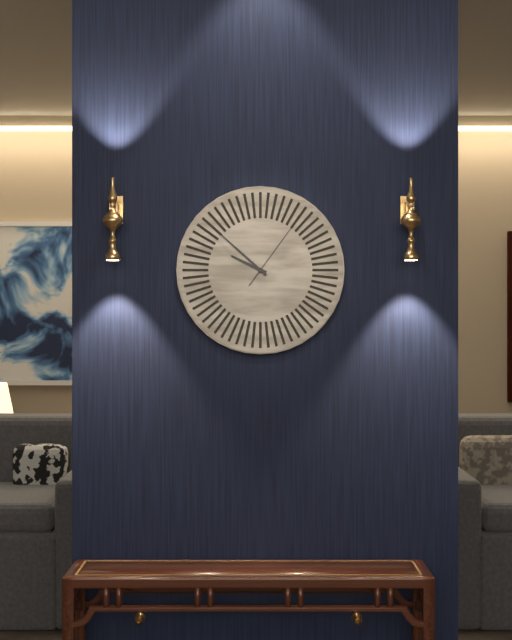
{"hour": 9, "minute": 52, "second": 6}
